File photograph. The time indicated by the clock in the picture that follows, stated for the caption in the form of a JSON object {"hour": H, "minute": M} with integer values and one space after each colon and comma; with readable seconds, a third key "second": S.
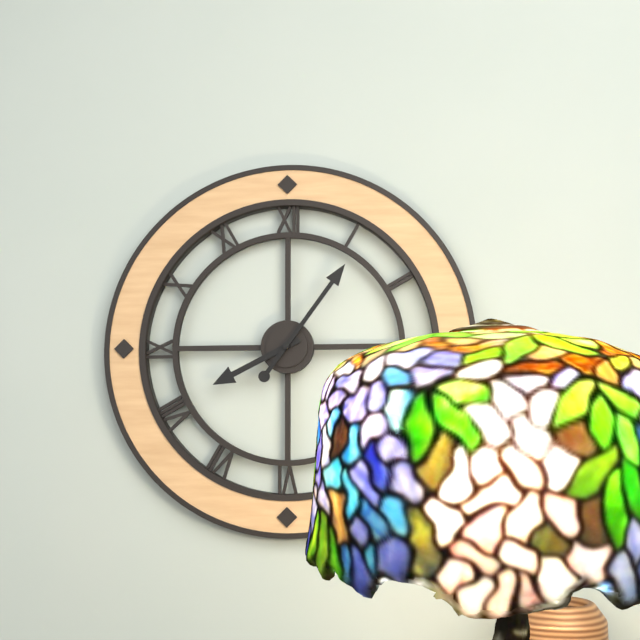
{"hour": 8, "minute": 6}
